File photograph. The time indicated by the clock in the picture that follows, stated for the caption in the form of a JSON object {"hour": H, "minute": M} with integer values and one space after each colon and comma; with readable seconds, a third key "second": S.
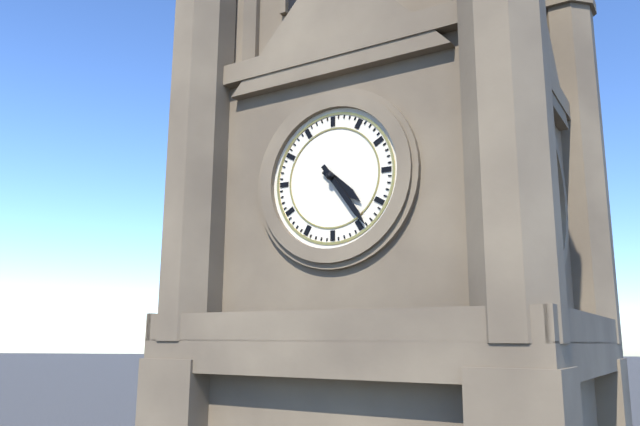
{"hour": 4, "minute": 24}
